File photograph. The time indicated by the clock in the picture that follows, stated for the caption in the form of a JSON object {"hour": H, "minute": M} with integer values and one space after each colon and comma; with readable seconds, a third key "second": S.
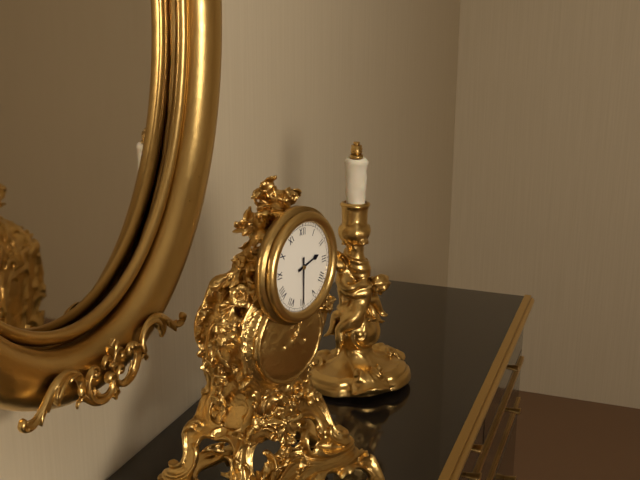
{"hour": 2, "minute": 30}
